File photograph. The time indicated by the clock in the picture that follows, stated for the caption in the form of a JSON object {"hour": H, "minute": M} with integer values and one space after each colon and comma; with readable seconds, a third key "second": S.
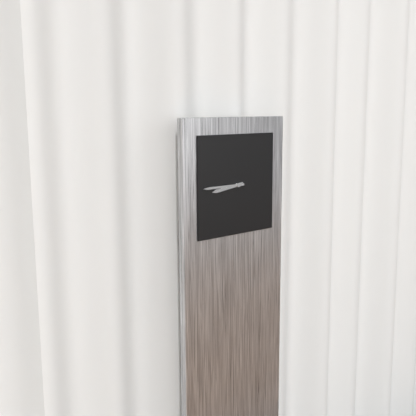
{"hour": 8, "minute": 45}
